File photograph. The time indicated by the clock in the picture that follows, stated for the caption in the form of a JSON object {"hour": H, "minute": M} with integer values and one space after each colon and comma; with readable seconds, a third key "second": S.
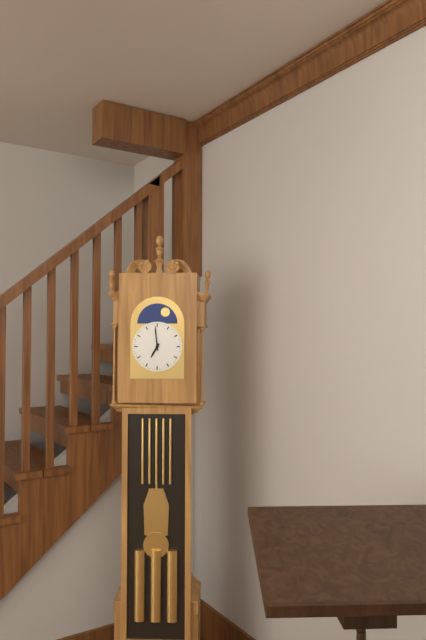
{"hour": 6, "minute": 59}
